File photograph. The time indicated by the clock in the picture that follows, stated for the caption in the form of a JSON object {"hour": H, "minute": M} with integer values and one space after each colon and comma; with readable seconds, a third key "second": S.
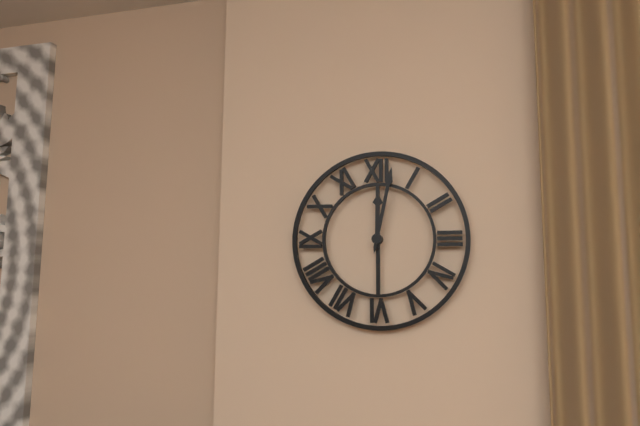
{"hour": 12, "minute": 2}
